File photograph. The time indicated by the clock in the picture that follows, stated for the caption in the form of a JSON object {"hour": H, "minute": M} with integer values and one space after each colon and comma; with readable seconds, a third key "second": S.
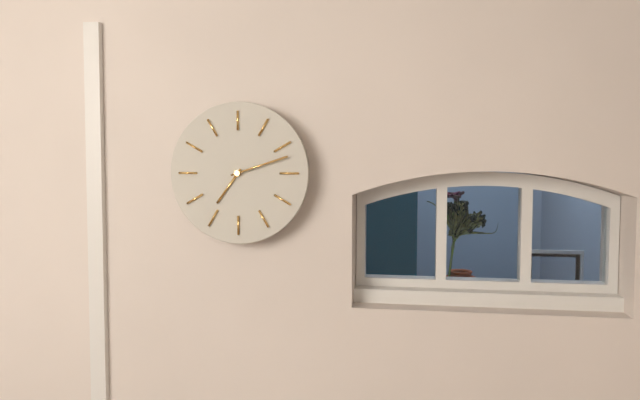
{"hour": 7, "minute": 12}
